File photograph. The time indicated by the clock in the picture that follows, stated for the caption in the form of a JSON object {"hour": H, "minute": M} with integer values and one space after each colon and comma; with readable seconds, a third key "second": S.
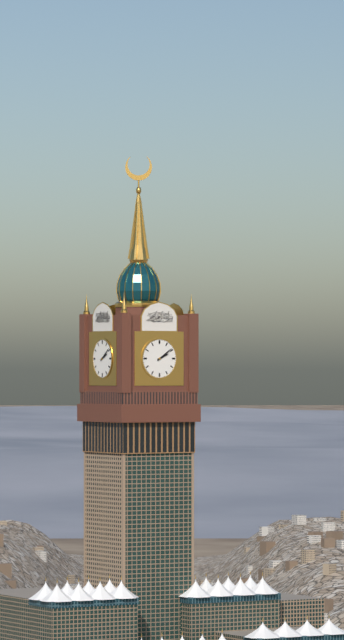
{"hour": 2, "minute": 9}
